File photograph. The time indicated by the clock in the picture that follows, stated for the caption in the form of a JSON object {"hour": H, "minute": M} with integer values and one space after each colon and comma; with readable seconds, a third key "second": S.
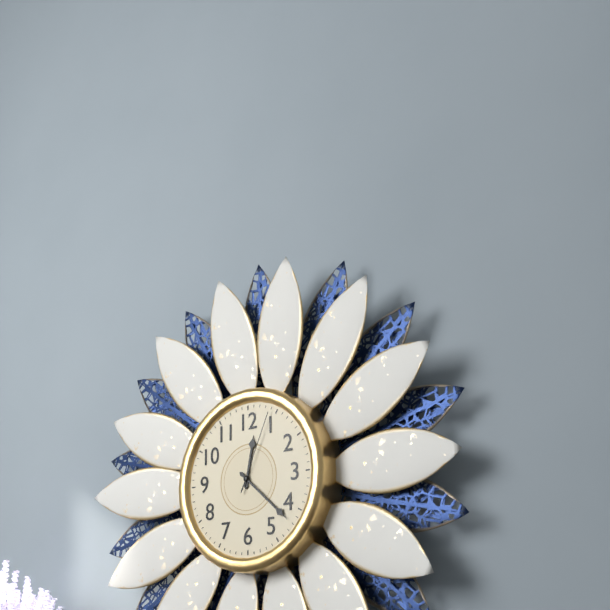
{"hour": 12, "minute": 22, "second": 4}
